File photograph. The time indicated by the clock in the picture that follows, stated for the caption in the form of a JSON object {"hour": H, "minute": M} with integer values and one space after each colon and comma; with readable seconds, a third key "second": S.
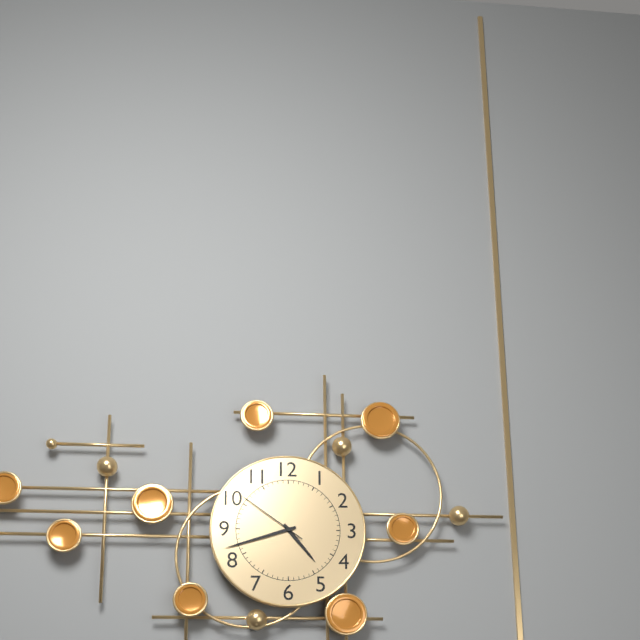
{"hour": 4, "minute": 42, "second": 51}
